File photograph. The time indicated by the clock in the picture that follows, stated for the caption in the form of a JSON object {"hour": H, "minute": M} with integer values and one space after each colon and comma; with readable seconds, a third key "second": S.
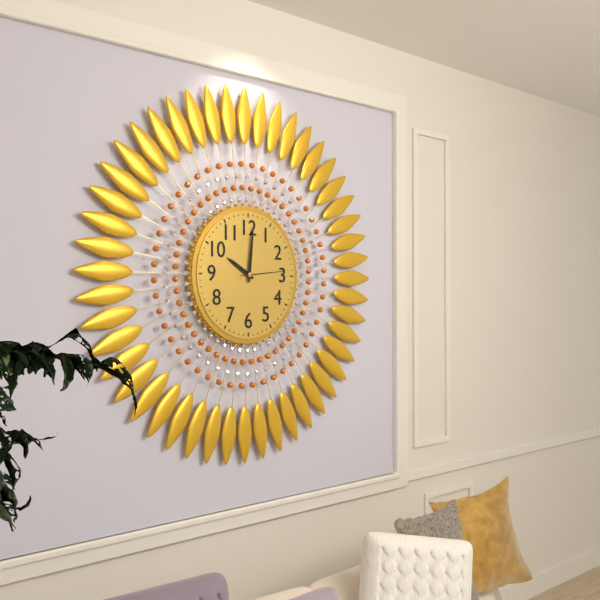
{"hour": 10, "minute": 1}
